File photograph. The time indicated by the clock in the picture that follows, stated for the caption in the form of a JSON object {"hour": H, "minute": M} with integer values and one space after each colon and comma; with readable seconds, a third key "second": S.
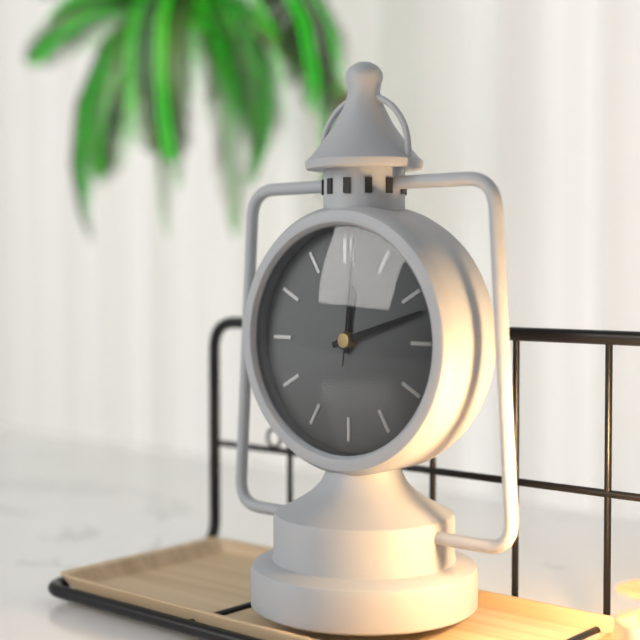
{"hour": 12, "minute": 12, "second": 1}
